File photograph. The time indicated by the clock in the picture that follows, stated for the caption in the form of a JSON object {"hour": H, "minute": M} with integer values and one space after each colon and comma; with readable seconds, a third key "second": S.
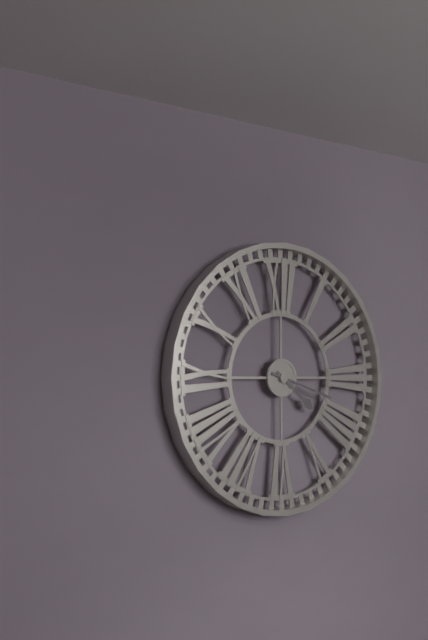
{"hour": 4, "minute": 18}
